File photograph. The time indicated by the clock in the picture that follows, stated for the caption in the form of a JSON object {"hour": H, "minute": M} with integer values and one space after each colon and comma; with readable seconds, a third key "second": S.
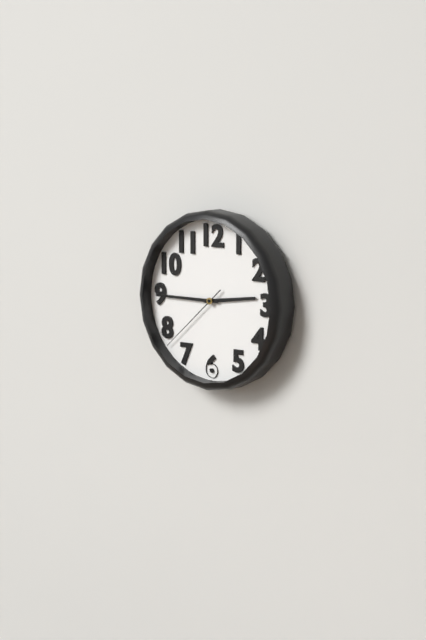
{"hour": 2, "minute": 45, "second": 38}
